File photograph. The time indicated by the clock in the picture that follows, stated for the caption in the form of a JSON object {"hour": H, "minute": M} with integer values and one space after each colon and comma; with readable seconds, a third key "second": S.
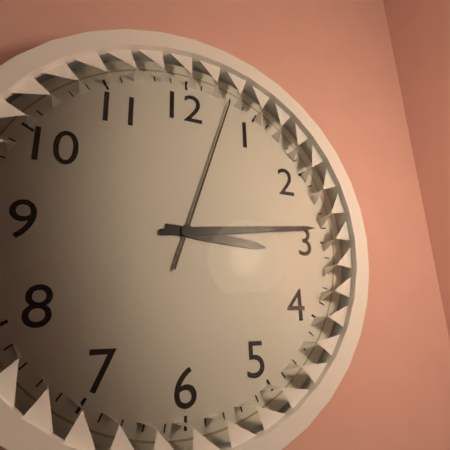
{"hour": 3, "minute": 14, "second": 3}
